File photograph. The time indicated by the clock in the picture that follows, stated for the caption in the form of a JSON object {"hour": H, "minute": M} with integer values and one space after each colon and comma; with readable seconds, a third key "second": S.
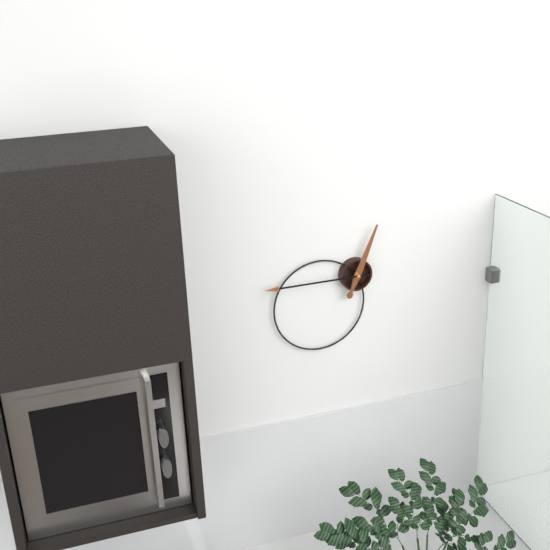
{"hour": 12, "minute": 45}
